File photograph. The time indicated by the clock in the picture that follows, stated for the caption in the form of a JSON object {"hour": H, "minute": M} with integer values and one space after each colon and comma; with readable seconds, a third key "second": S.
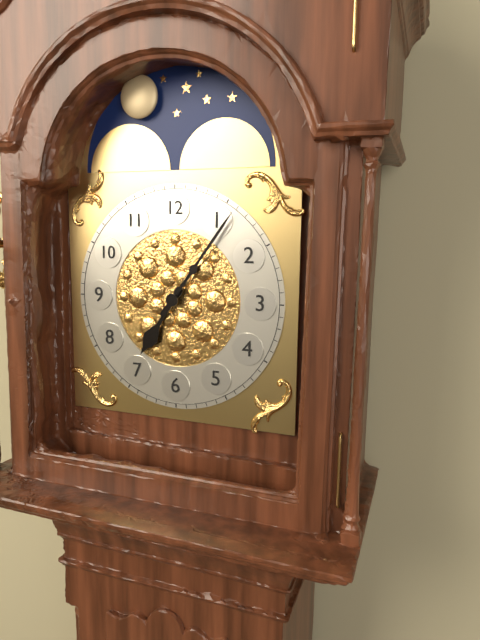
{"hour": 7, "minute": 6}
